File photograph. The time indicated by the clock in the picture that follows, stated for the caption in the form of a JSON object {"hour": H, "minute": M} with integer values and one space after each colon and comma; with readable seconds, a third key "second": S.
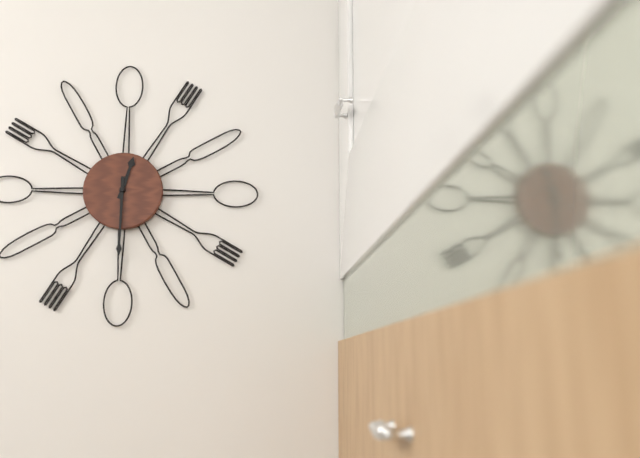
{"hour": 12, "minute": 30}
